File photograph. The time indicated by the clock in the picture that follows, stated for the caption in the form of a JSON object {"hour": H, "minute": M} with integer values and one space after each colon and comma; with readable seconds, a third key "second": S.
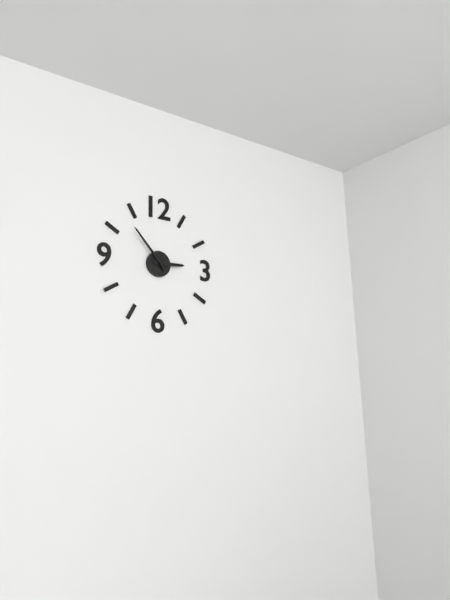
{"hour": 2, "minute": 53}
